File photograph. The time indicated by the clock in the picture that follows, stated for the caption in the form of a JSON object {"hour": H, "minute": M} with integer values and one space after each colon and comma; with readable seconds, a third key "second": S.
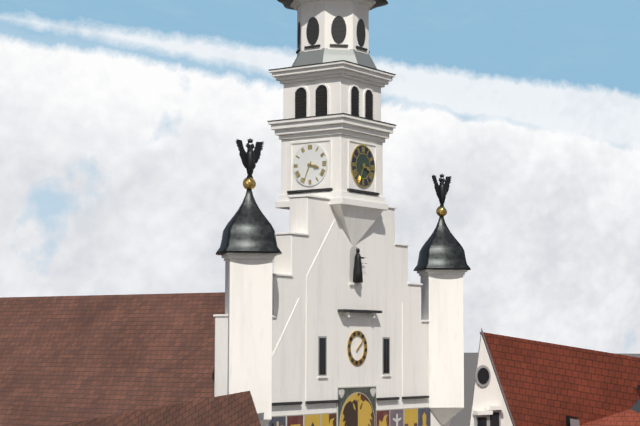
{"hour": 3, "minute": 34}
